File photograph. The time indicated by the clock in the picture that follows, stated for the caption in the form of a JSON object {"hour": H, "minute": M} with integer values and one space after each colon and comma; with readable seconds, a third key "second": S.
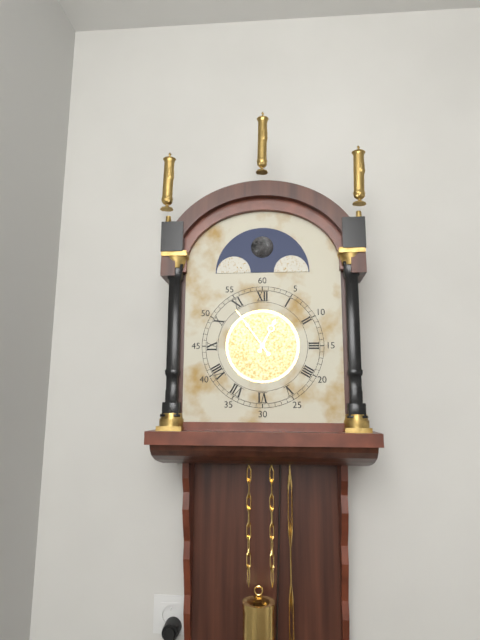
{"hour": 12, "minute": 54}
